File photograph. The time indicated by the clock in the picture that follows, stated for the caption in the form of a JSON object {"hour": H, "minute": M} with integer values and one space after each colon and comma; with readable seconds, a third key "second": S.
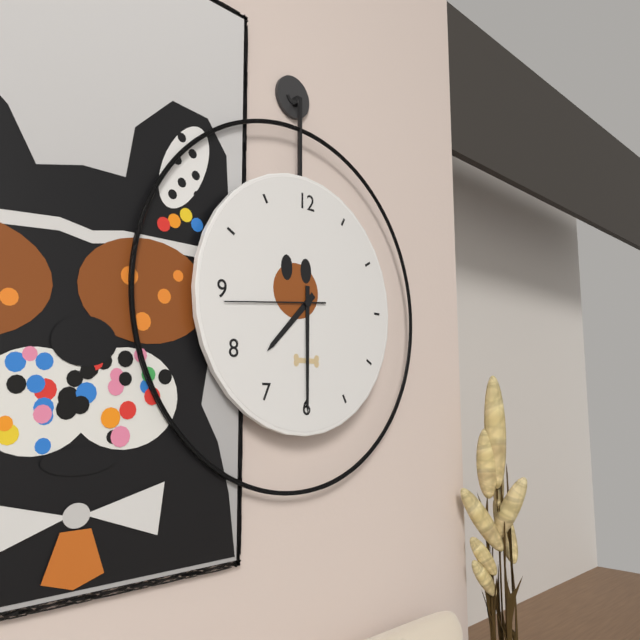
{"hour": 7, "minute": 30, "second": 44}
